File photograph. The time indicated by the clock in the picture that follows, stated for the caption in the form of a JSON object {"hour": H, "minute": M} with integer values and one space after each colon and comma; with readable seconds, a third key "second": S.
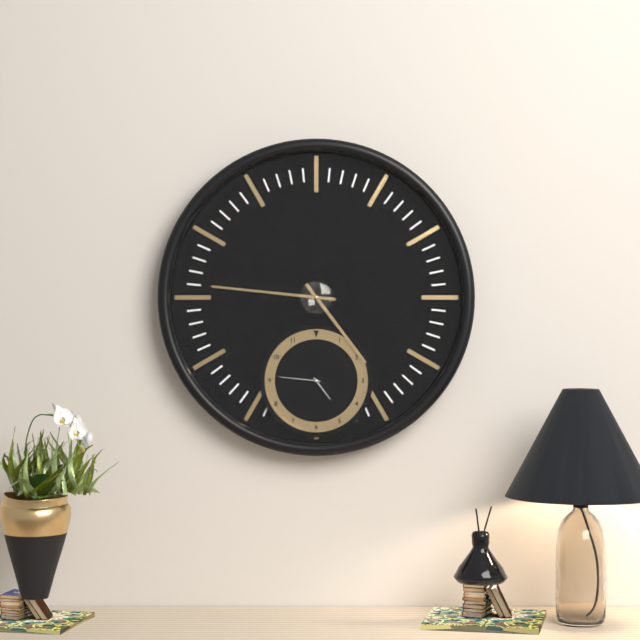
{"hour": 4, "minute": 46}
